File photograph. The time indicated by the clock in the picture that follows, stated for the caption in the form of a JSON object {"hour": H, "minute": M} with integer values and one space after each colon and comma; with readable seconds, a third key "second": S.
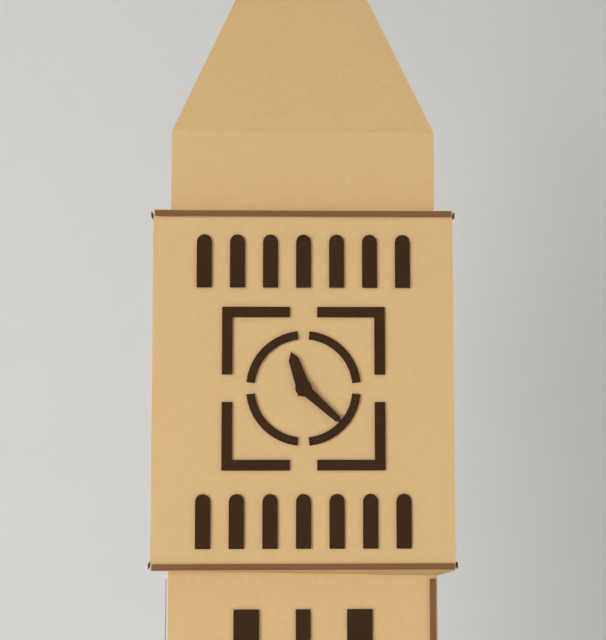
{"hour": 11, "minute": 22}
